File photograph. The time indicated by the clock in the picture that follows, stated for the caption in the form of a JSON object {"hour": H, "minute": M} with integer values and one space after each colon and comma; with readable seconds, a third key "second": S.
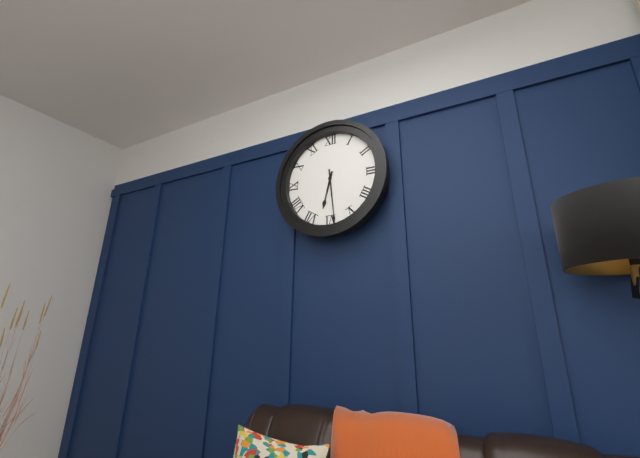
{"hour": 6, "minute": 29}
